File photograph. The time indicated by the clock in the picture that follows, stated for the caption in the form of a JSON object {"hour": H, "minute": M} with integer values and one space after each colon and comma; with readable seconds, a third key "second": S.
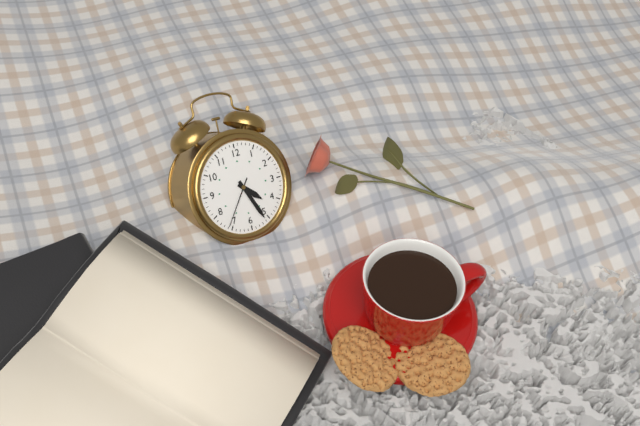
{"hour": 4, "minute": 26, "second": 36}
